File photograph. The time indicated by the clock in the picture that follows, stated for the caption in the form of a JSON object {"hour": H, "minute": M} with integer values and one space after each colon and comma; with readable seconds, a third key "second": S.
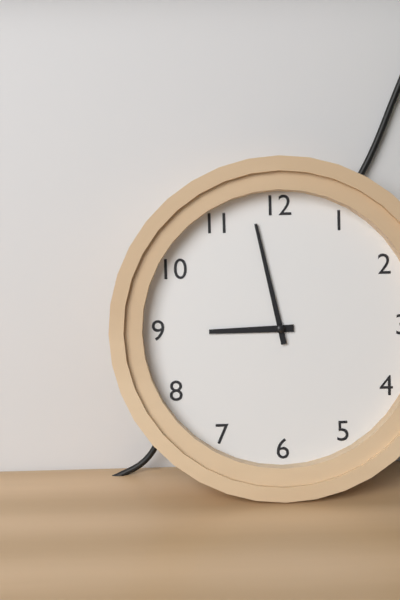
{"hour": 8, "minute": 58}
